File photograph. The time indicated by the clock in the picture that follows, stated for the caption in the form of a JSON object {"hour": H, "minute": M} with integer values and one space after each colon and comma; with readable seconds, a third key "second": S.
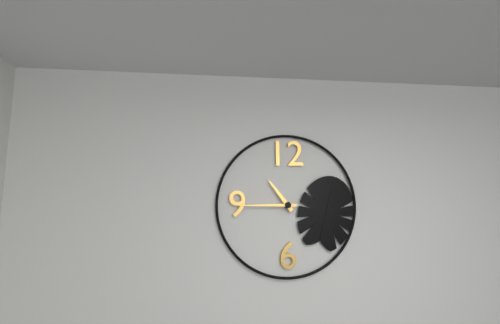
{"hour": 10, "minute": 45}
